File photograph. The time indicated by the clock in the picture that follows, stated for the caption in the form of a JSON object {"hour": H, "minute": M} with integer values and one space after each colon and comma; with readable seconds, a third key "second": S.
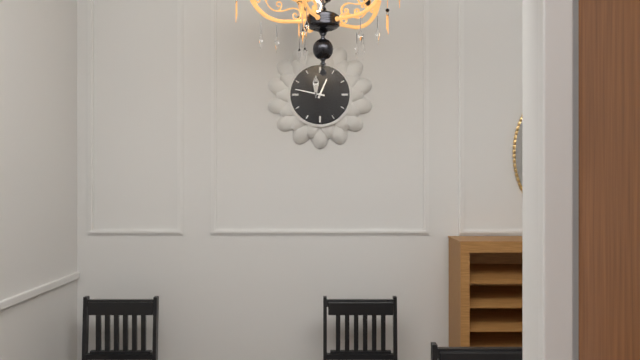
{"hour": 12, "minute": 47}
